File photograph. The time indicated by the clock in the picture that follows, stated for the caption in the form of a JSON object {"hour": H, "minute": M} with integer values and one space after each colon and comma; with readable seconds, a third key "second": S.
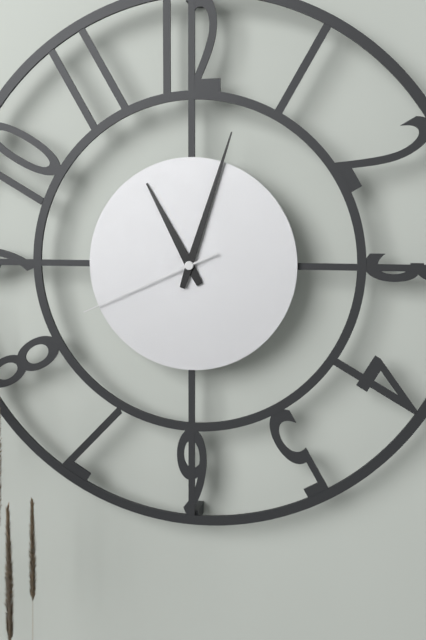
{"hour": 11, "minute": 3, "second": 41}
